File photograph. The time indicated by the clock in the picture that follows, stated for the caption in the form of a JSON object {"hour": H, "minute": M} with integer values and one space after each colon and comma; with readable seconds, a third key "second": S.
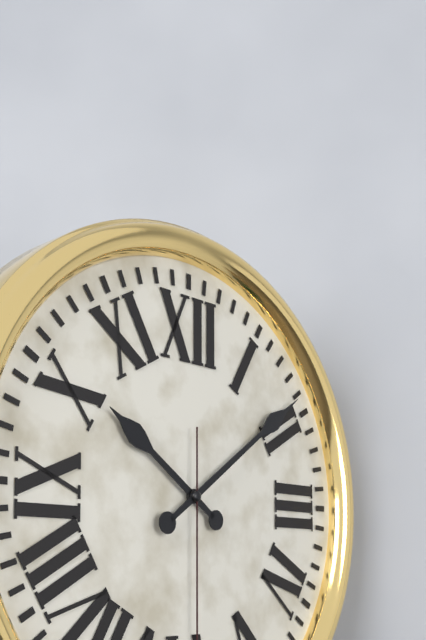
{"hour": 10, "minute": 9}
